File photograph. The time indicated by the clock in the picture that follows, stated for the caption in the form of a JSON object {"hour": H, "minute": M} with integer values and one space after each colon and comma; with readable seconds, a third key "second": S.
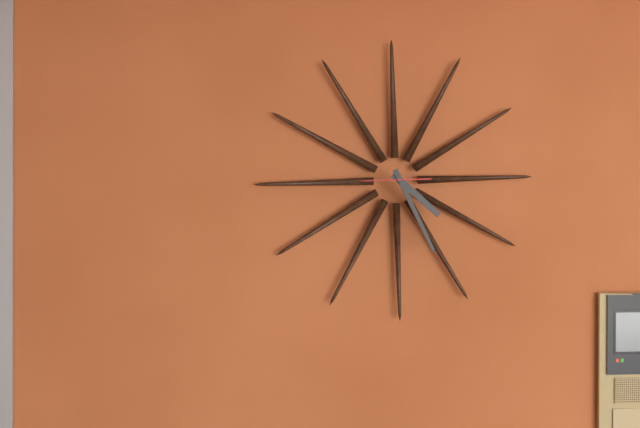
{"hour": 4, "minute": 26}
